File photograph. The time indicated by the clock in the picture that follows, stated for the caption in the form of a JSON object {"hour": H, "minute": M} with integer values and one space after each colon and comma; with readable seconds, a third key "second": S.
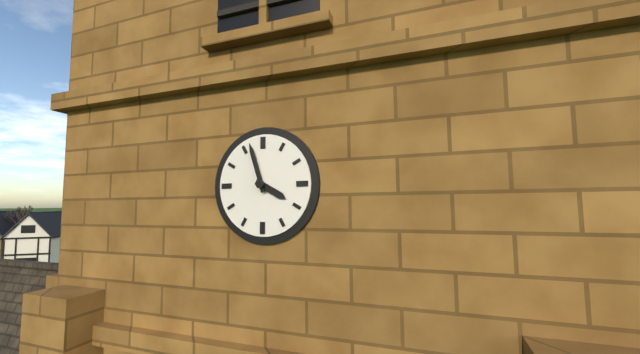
{"hour": 3, "minute": 57}
